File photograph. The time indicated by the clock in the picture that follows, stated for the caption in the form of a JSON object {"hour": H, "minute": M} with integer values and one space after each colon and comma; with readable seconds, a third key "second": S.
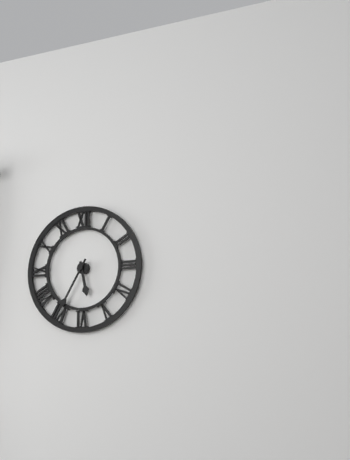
{"hour": 5, "minute": 35}
